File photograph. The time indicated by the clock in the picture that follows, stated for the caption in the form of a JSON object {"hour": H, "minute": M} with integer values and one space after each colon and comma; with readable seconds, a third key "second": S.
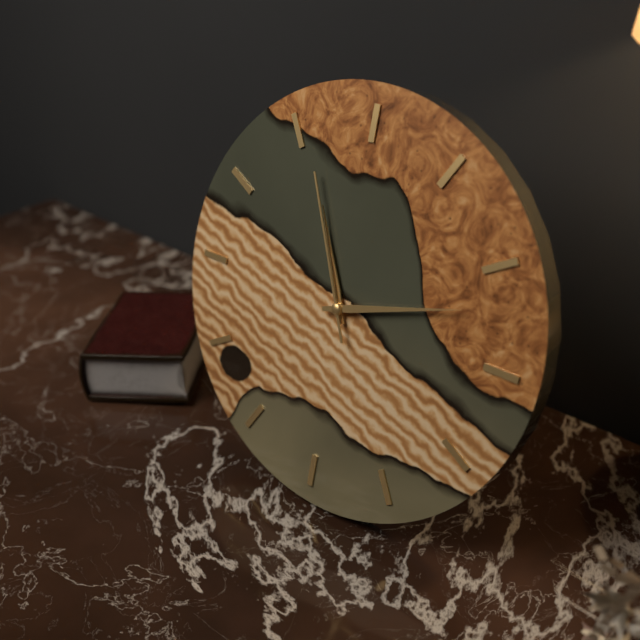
{"hour": 11, "minute": 12, "second": 56}
